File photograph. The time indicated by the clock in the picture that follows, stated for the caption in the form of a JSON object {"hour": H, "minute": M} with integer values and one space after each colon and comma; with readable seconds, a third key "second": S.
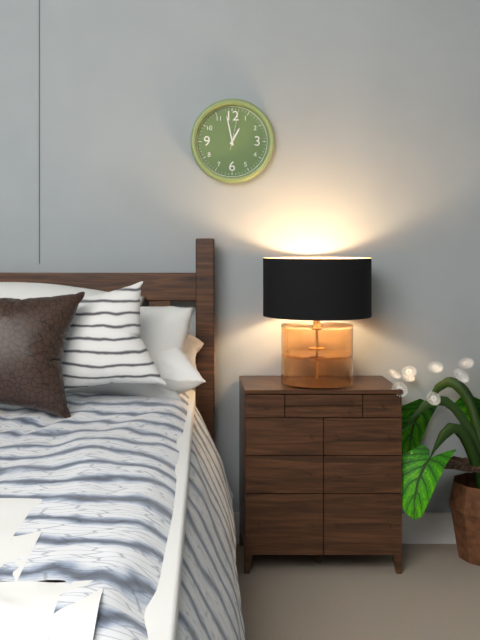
{"hour": 12, "minute": 58}
